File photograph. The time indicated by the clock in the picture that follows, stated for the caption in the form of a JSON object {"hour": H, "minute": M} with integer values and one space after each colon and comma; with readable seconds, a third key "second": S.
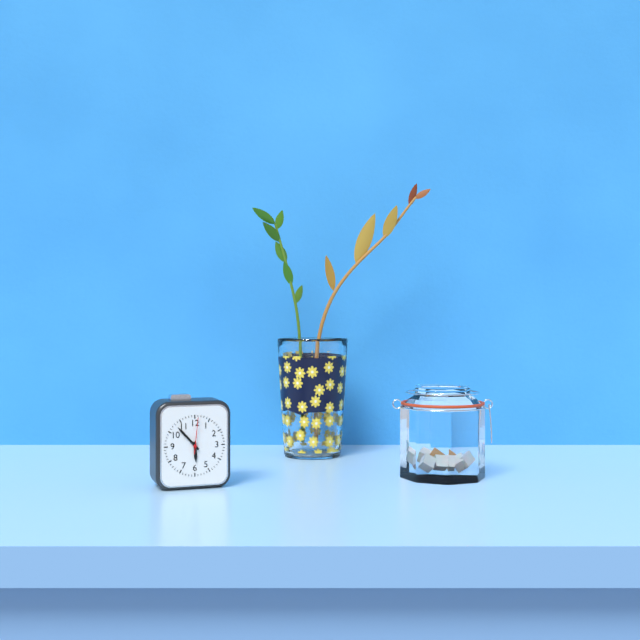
{"hour": 5, "minute": 53}
